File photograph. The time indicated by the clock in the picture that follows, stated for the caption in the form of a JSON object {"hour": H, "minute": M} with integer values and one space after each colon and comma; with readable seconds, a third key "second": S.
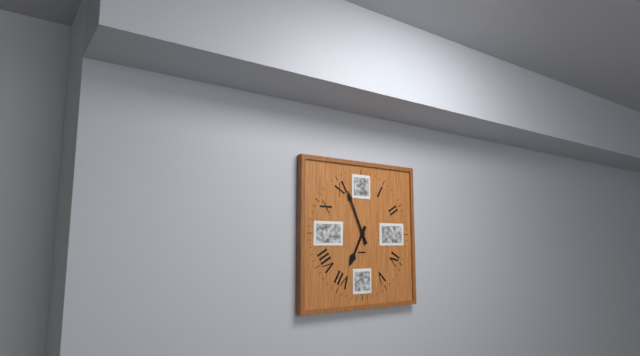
{"hour": 6, "minute": 56}
